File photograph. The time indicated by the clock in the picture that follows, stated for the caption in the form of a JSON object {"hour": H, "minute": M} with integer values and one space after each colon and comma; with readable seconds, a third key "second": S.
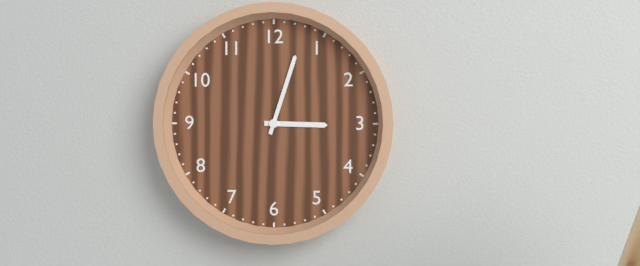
{"hour": 3, "minute": 3}
